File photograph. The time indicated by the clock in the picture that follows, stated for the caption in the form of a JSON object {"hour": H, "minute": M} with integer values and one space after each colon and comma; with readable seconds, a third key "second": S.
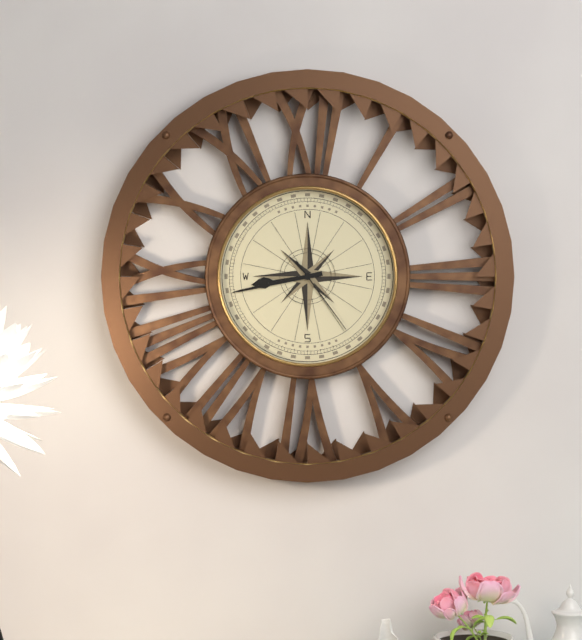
{"hour": 8, "minute": 43, "second": 24}
